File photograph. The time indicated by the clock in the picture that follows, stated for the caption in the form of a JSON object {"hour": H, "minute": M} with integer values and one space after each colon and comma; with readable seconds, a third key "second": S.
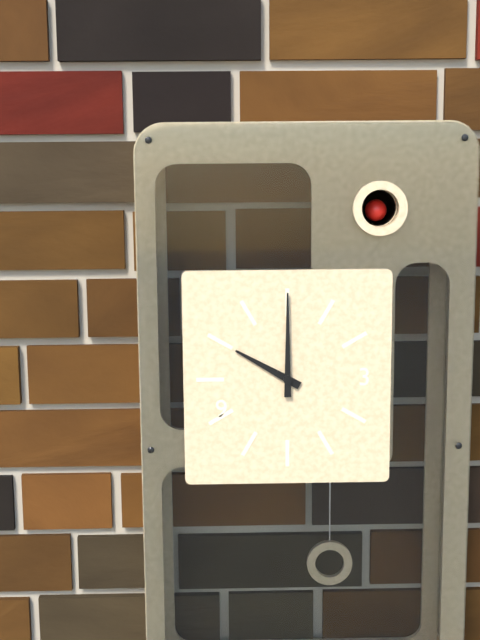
{"hour": 10, "minute": 0}
